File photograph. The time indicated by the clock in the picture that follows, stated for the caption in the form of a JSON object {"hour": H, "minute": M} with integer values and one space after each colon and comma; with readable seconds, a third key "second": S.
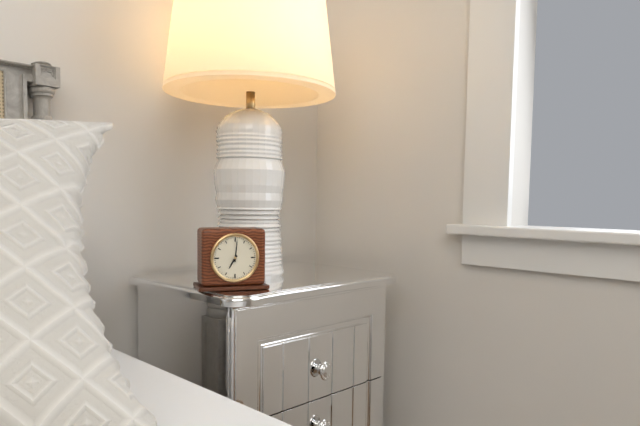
{"hour": 7, "minute": 1}
